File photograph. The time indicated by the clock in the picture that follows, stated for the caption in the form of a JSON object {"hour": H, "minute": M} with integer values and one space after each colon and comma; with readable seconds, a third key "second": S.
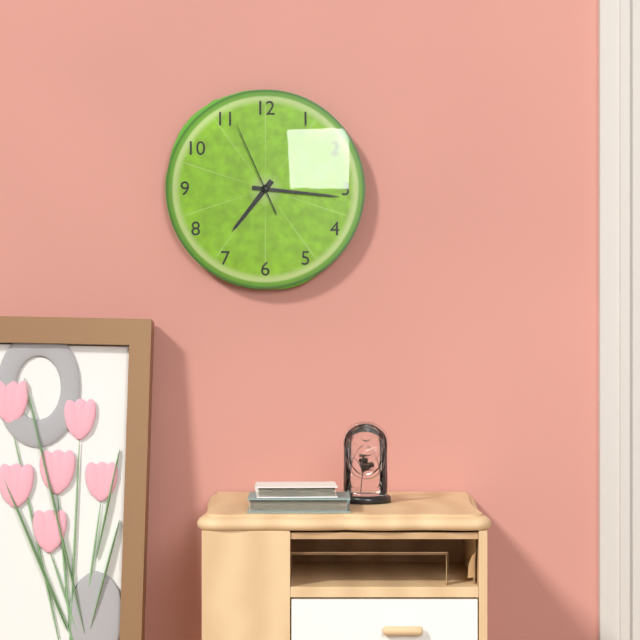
{"hour": 7, "minute": 16, "second": 56}
